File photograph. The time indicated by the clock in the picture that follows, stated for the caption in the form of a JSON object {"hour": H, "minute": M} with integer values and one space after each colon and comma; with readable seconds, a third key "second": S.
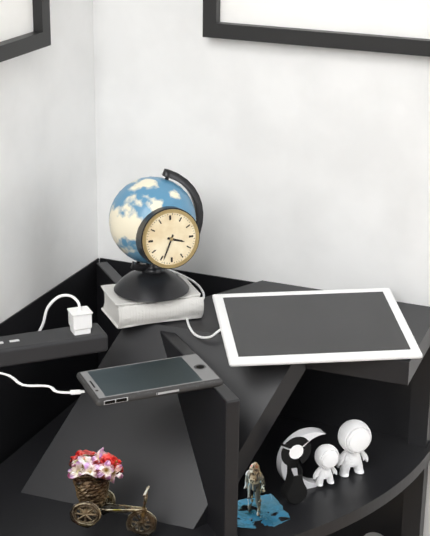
{"hour": 3, "minute": 34}
